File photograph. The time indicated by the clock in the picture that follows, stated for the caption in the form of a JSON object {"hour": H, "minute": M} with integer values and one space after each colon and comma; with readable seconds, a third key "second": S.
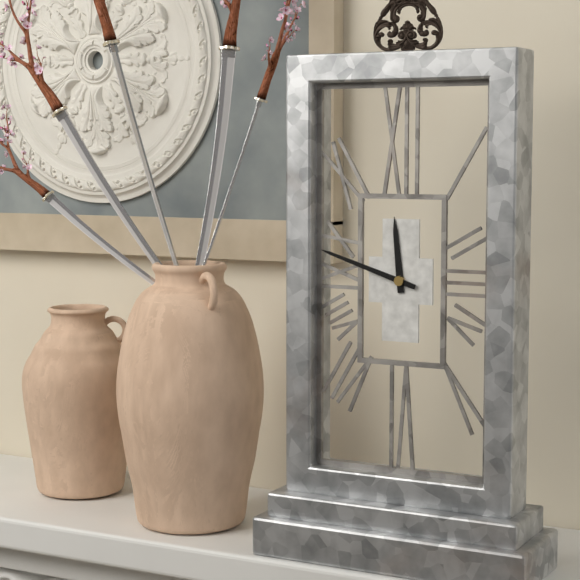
{"hour": 11, "minute": 48}
